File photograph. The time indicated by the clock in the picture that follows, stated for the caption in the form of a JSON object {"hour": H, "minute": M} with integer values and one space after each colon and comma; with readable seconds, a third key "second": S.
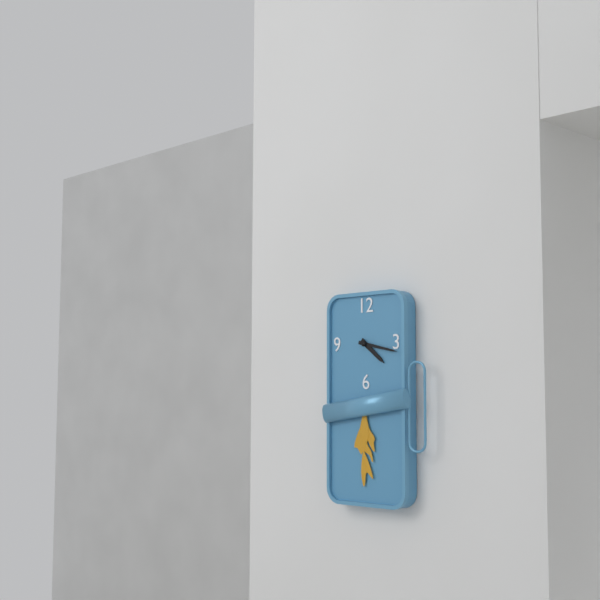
{"hour": 4, "minute": 17}
